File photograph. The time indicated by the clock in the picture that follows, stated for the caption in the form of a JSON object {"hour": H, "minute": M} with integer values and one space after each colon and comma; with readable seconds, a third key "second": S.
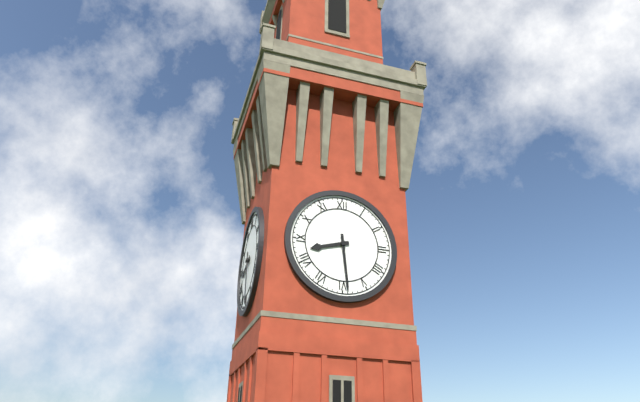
{"hour": 8, "minute": 29}
